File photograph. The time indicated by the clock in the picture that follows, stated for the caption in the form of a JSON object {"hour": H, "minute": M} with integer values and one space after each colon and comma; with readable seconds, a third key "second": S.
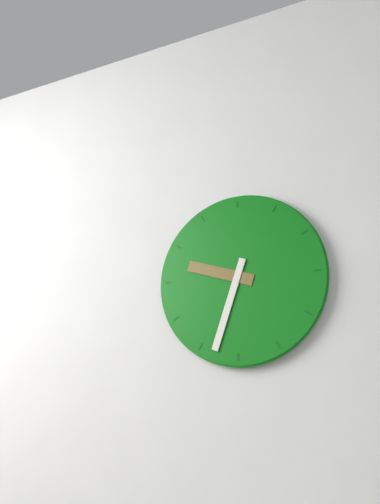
{"hour": 9, "minute": 33}
